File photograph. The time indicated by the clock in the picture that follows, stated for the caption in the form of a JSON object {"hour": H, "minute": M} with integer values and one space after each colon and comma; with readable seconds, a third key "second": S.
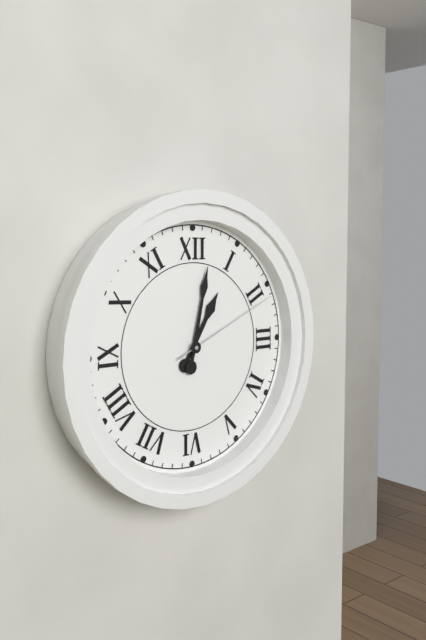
{"hour": 1, "minute": 2, "second": 11}
